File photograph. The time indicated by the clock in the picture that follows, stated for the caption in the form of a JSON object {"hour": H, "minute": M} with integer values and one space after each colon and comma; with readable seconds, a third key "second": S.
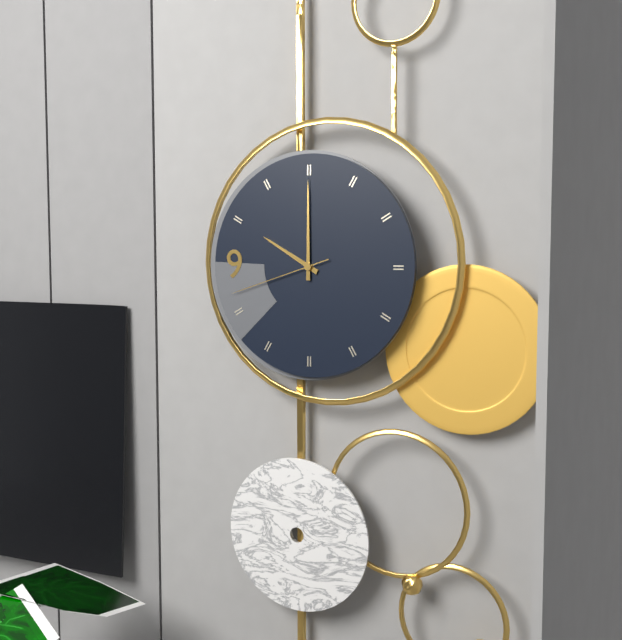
{"hour": 10, "minute": 0, "second": 42}
